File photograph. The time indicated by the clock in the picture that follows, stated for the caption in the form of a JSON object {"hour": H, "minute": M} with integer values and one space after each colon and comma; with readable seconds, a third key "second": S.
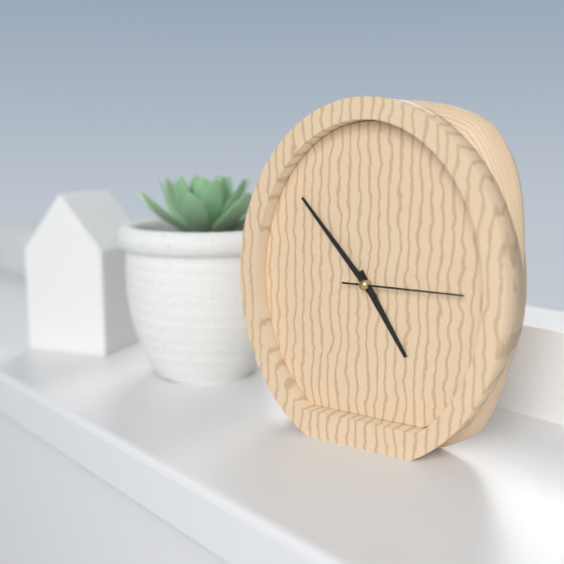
{"hour": 4, "minute": 53, "second": 15}
